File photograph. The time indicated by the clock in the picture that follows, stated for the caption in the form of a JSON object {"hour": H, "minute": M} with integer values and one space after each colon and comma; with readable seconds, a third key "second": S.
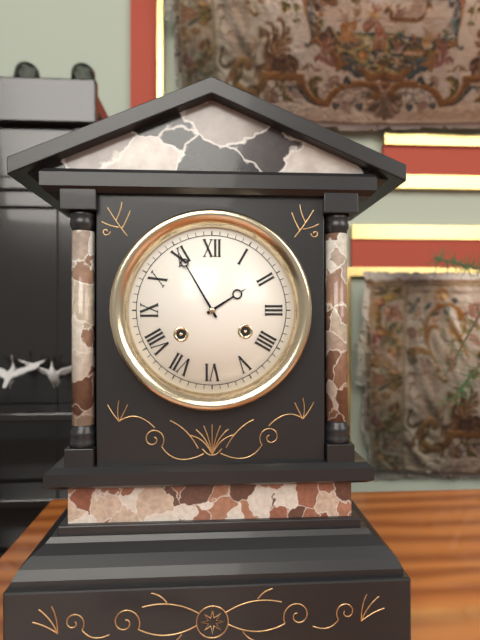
{"hour": 1, "minute": 55}
